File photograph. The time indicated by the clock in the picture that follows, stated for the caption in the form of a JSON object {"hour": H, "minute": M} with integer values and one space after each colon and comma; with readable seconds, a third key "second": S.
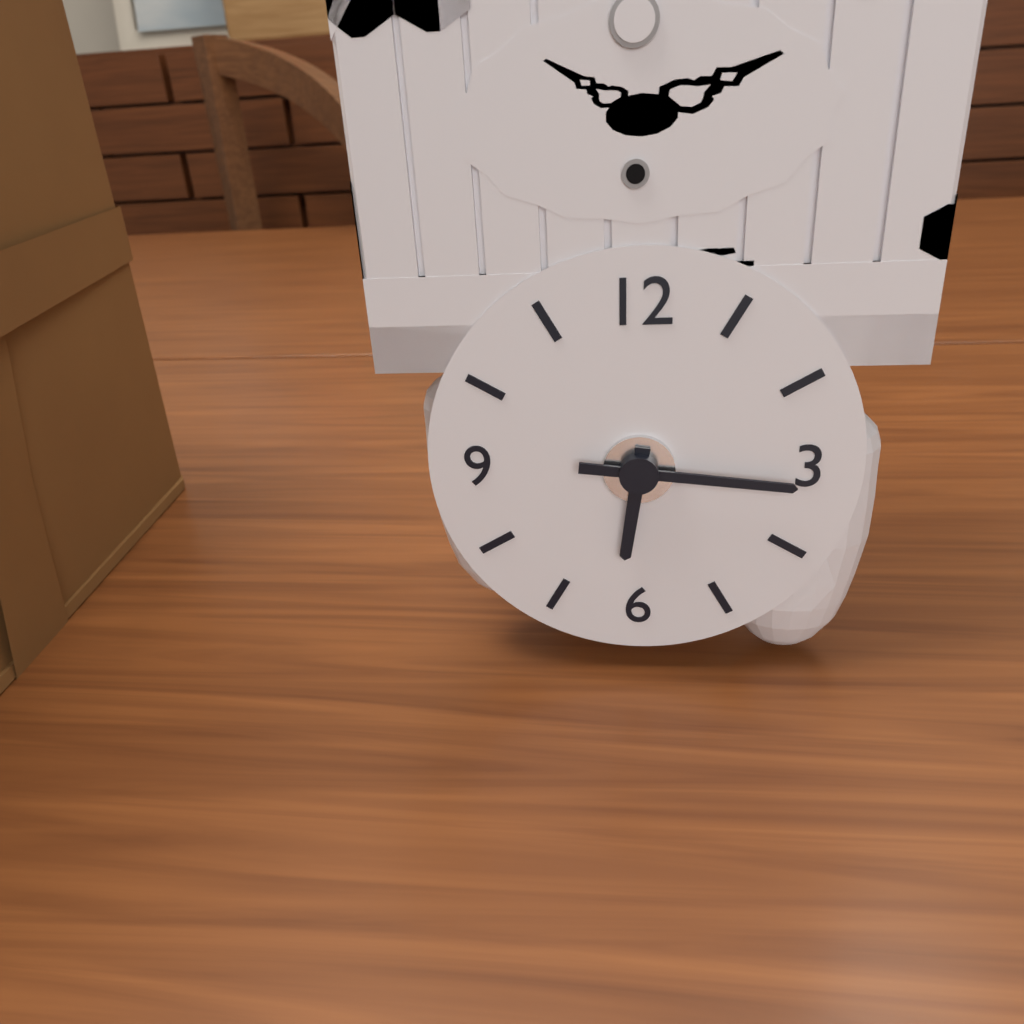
{"hour": 6, "minute": 16}
